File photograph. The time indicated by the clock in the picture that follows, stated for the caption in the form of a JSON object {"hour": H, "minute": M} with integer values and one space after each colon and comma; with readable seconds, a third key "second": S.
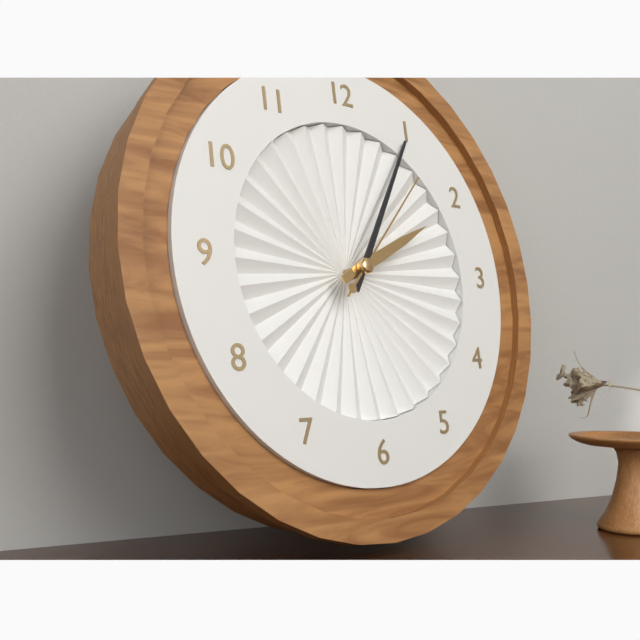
{"hour": 2, "minute": 5, "second": 7}
